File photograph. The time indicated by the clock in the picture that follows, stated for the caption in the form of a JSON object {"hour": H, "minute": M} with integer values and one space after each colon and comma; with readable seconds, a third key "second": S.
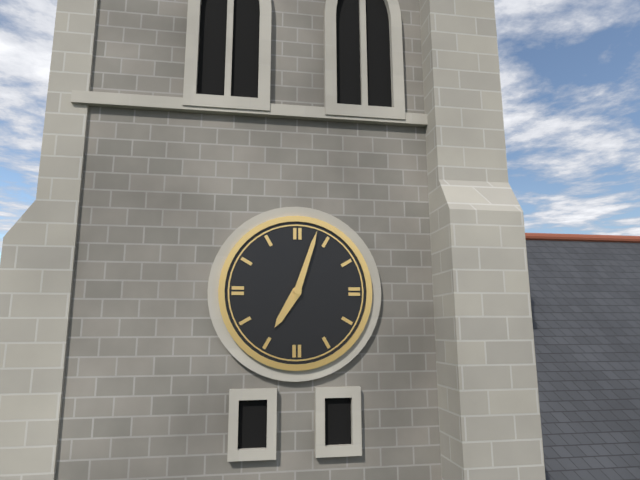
{"hour": 7, "minute": 3}
